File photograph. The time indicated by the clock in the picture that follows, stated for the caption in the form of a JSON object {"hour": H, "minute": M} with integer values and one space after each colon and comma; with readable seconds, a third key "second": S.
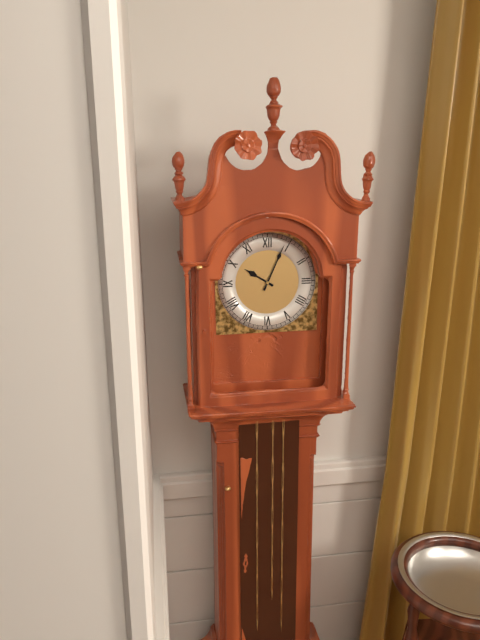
{"hour": 10, "minute": 4}
